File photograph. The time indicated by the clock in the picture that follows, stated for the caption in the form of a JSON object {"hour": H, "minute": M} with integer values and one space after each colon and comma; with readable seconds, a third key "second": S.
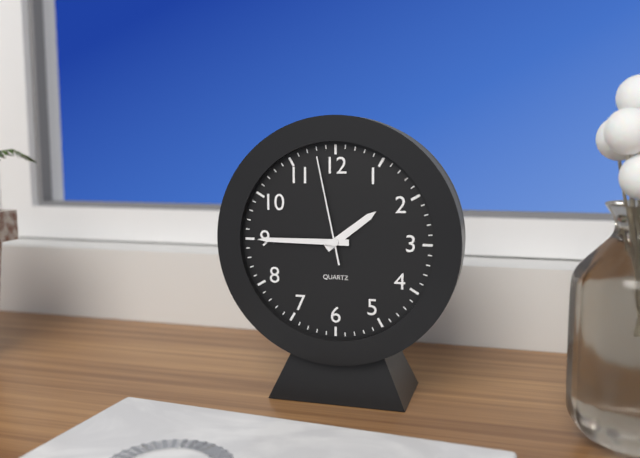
{"hour": 1, "minute": 45, "second": 58}
